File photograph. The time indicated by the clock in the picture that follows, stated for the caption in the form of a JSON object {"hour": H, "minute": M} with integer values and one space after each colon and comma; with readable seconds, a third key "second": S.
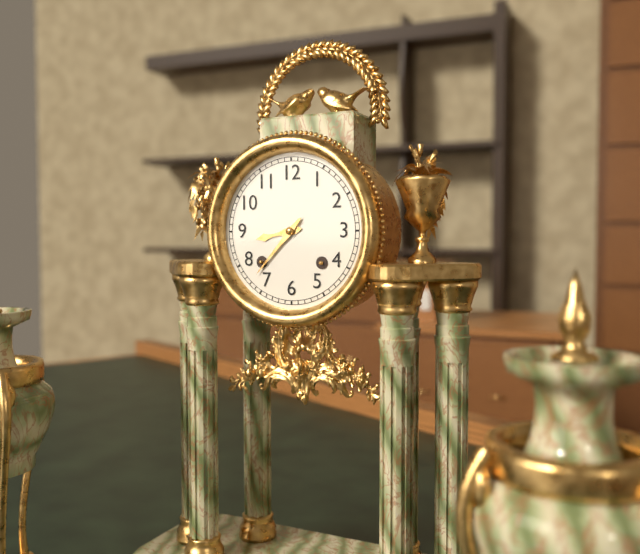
{"hour": 8, "minute": 37}
